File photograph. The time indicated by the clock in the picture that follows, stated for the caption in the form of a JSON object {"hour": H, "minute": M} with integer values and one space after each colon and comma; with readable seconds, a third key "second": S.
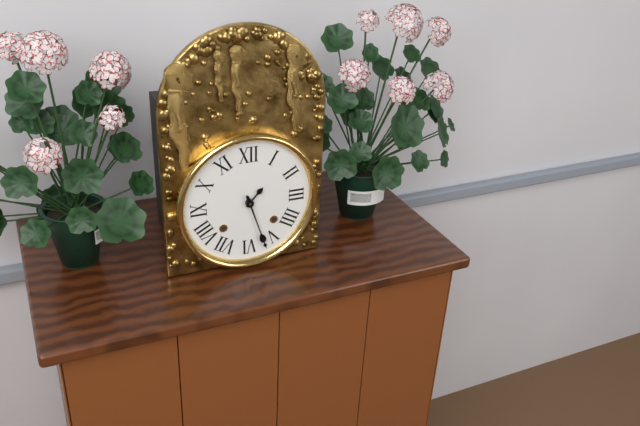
{"hour": 1, "minute": 27}
